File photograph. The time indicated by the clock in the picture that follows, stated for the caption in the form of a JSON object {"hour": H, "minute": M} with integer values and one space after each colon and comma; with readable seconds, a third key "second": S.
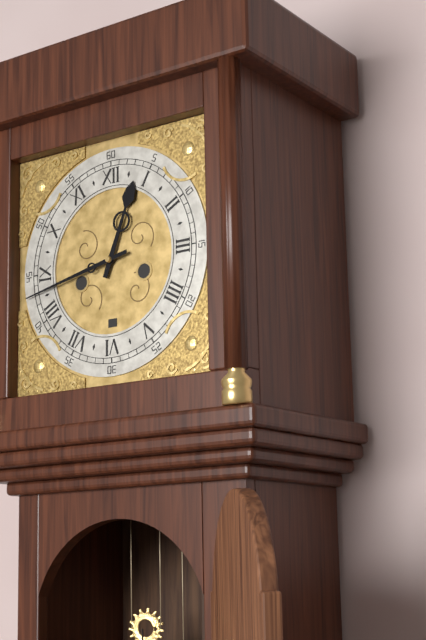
{"hour": 12, "minute": 43}
